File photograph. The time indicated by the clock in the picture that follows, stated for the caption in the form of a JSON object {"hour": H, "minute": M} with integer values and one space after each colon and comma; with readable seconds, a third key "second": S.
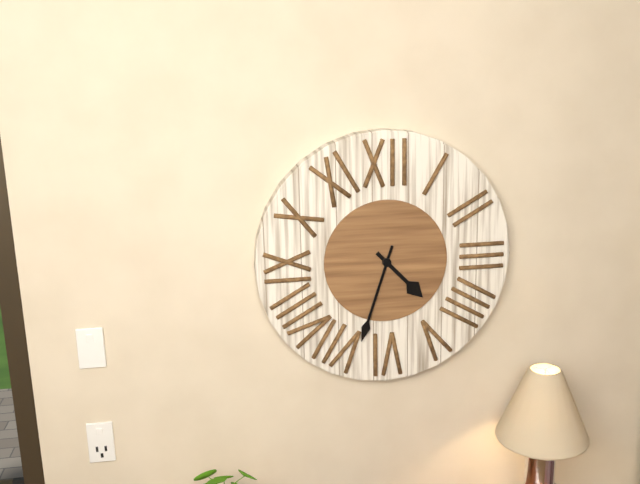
{"hour": 4, "minute": 33}
